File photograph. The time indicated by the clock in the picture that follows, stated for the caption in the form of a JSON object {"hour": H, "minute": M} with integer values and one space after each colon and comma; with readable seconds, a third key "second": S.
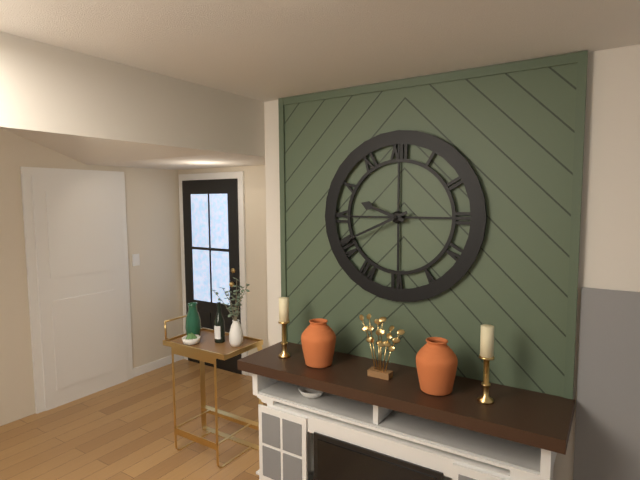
{"hour": 9, "minute": 41}
